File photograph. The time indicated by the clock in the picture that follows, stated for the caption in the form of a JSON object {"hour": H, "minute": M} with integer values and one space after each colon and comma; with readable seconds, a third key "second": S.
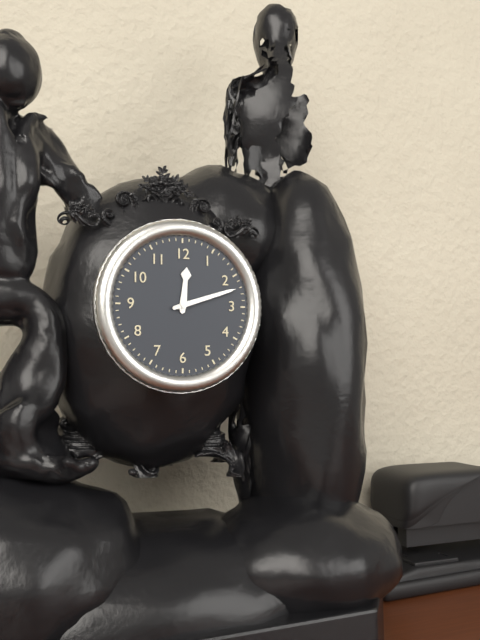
{"hour": 12, "minute": 12}
